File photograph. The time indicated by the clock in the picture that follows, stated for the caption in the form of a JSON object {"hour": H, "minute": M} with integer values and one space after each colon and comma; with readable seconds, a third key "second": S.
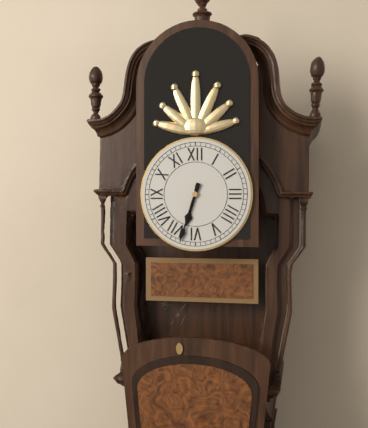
{"hour": 6, "minute": 33}
